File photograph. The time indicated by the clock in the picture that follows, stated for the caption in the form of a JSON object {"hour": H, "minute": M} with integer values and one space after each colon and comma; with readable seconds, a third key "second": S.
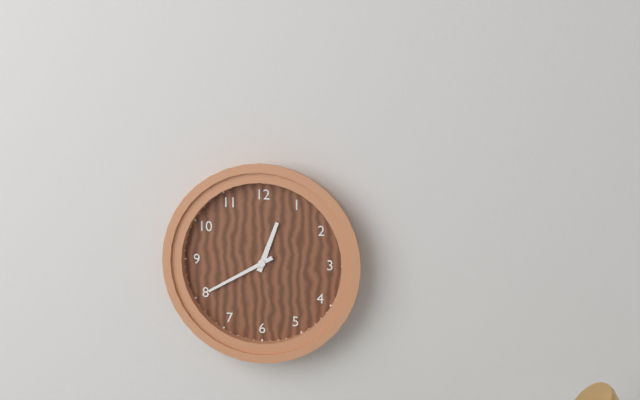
{"hour": 12, "minute": 40}
